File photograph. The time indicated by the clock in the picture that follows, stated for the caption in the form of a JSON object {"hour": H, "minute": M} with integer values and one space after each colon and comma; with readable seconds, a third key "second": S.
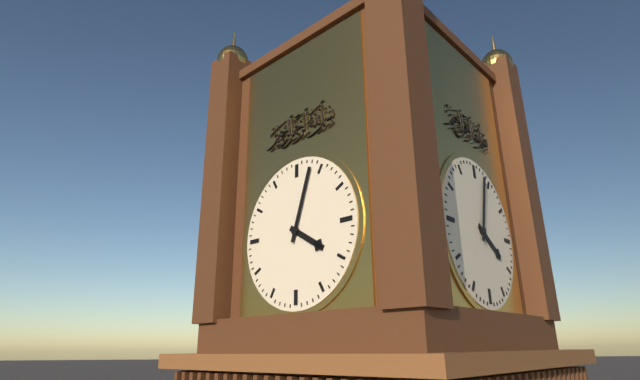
{"hour": 4, "minute": 3}
